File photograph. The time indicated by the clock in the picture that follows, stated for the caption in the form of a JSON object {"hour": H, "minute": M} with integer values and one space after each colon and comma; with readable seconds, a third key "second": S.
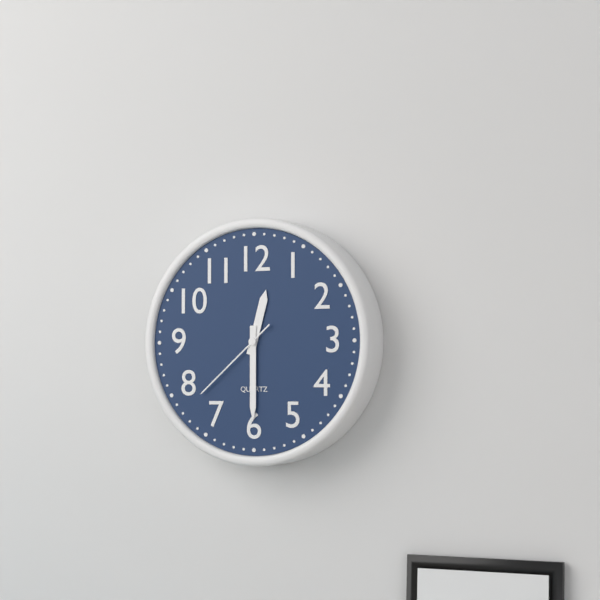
{"hour": 12, "minute": 30, "second": 38}
